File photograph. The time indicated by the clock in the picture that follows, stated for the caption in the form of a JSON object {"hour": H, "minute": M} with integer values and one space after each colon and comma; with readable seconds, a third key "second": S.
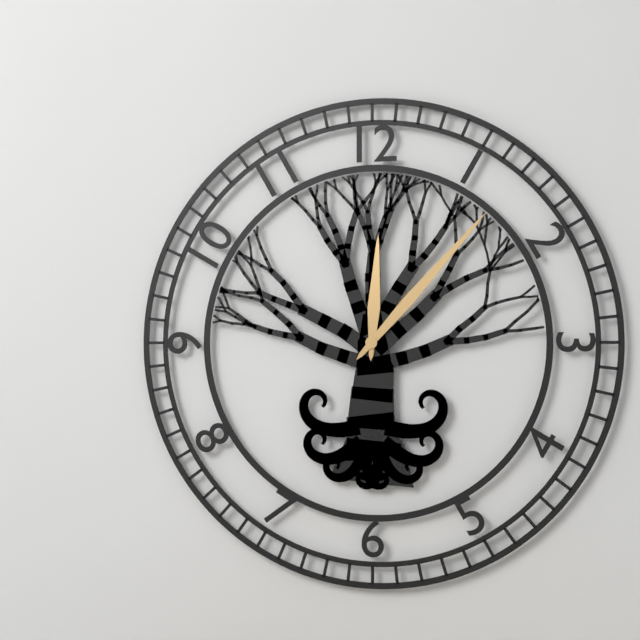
{"hour": 12, "minute": 7}
